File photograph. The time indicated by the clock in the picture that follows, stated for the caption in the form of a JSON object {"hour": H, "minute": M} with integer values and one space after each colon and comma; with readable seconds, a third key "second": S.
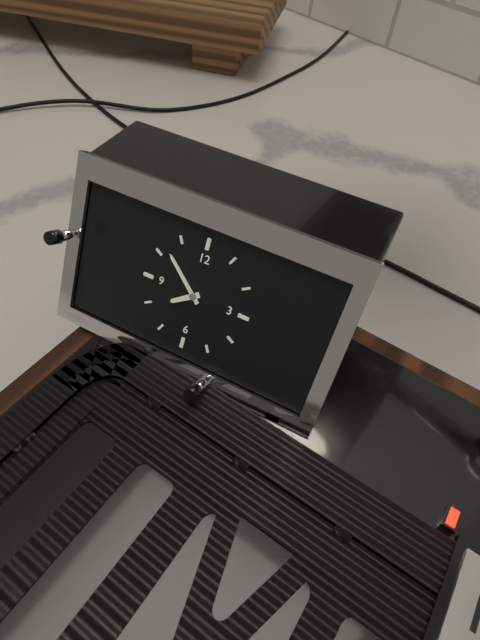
{"hour": 7, "minute": 52}
